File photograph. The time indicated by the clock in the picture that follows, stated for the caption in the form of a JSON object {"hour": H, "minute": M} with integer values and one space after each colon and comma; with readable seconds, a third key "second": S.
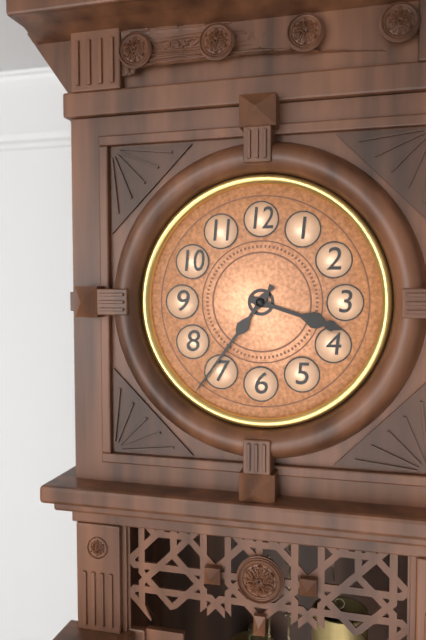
{"hour": 3, "minute": 36}
